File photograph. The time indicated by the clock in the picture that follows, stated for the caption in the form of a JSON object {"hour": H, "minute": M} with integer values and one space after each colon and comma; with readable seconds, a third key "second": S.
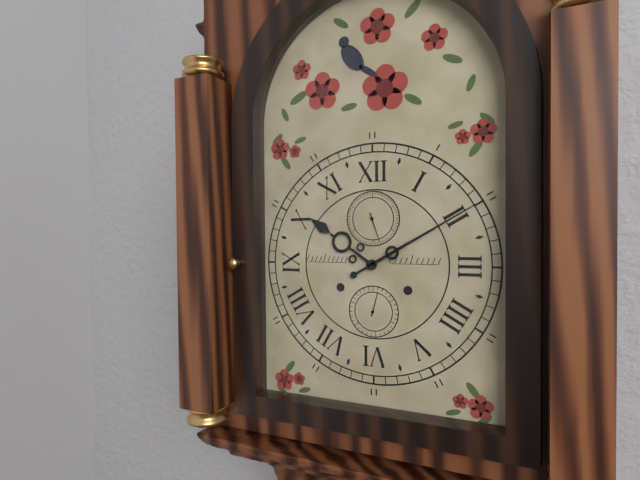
{"hour": 10, "minute": 10}
